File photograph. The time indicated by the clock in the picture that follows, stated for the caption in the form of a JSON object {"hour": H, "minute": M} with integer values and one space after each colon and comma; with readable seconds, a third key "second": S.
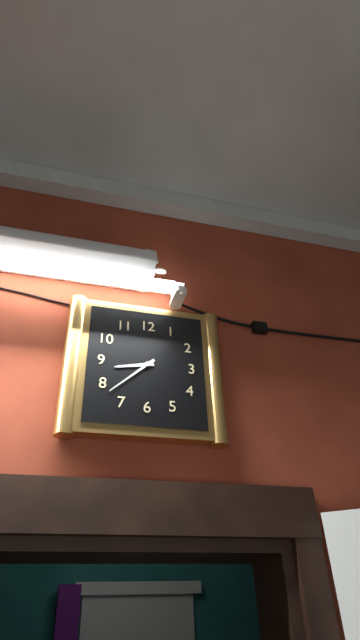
{"hour": 8, "minute": 38}
